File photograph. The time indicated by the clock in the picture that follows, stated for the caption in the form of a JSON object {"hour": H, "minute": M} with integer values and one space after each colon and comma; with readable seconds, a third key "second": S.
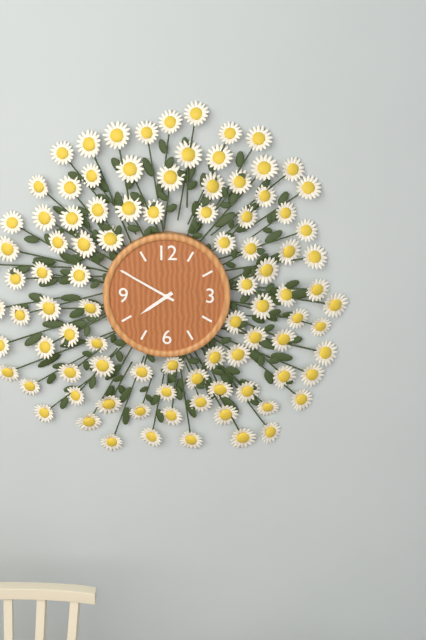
{"hour": 7, "minute": 50}
